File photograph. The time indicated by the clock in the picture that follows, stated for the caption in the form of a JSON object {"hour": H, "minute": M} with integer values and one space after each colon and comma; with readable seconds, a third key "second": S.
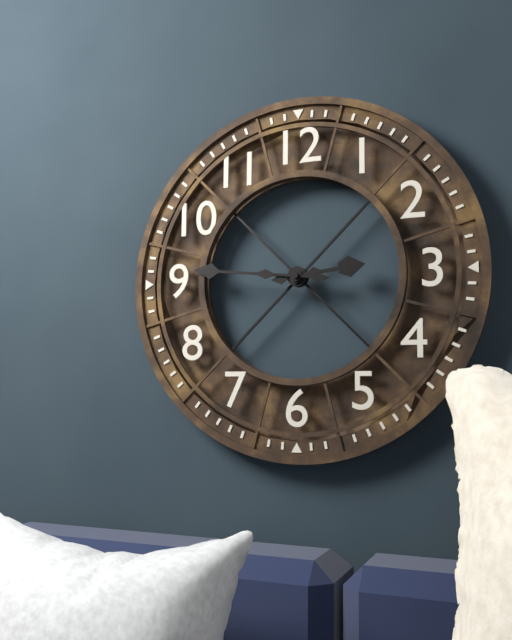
{"hour": 2, "minute": 46}
